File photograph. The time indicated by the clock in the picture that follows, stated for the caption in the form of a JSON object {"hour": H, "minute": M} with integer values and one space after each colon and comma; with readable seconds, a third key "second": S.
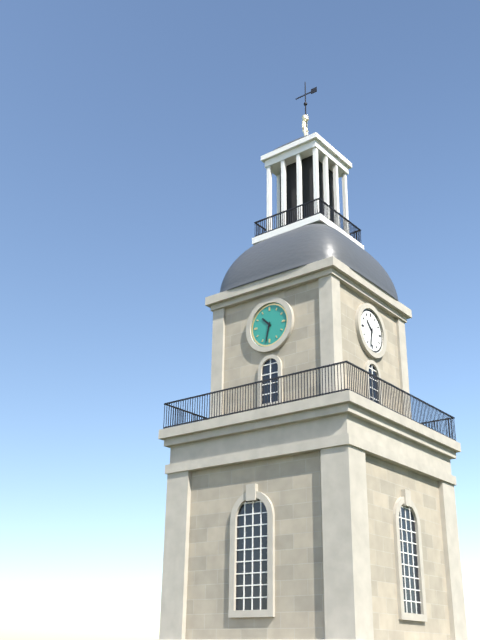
{"hour": 10, "minute": 32}
